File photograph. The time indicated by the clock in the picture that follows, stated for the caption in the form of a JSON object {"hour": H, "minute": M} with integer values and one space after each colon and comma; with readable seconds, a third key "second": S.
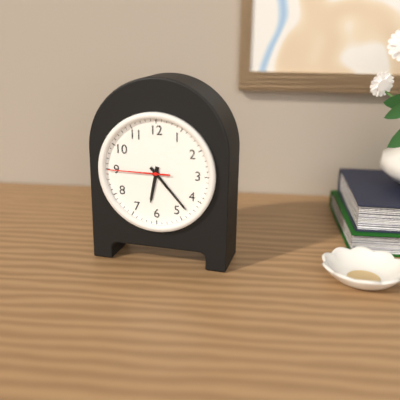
{"hour": 6, "minute": 23, "second": 45}
